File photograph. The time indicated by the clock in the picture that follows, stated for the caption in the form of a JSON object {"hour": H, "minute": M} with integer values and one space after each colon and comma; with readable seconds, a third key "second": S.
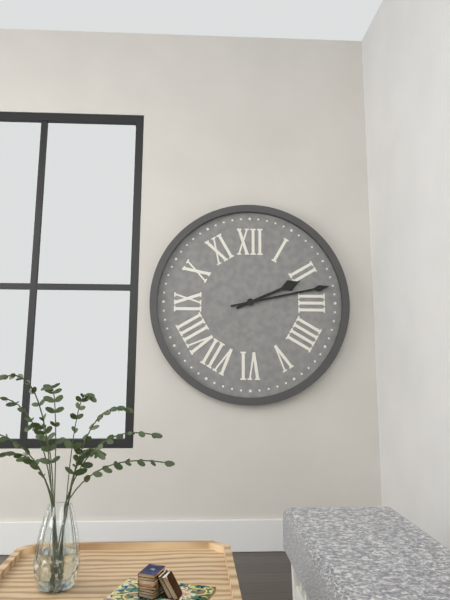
{"hour": 2, "minute": 13}
